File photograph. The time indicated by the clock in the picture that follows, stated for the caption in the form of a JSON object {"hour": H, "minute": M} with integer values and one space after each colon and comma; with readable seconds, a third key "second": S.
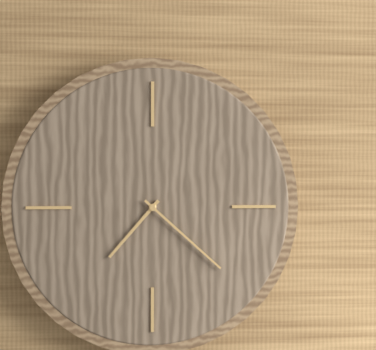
{"hour": 7, "minute": 22}
